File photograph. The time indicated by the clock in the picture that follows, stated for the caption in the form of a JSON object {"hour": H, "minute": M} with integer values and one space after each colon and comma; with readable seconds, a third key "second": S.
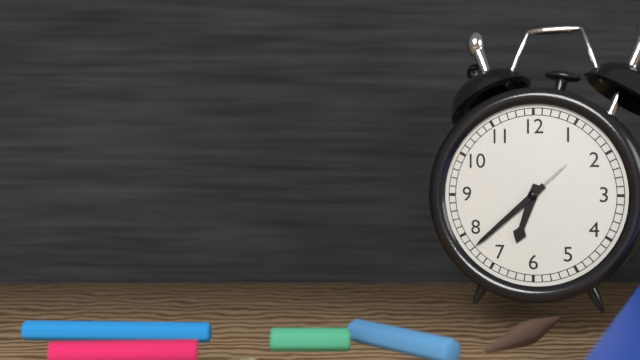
{"hour": 6, "minute": 38}
